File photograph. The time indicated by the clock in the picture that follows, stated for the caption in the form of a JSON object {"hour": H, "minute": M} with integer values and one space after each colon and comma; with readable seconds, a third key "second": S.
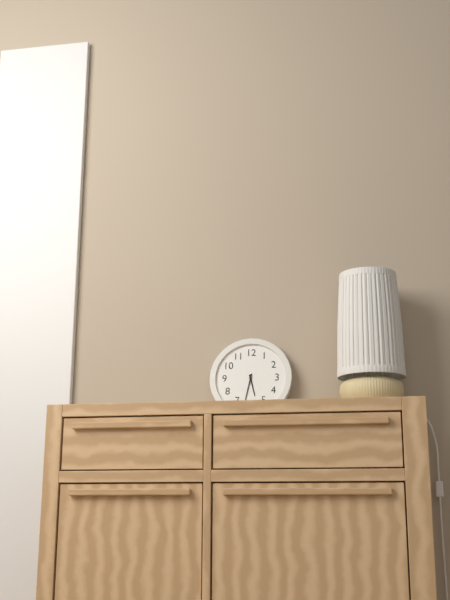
{"hour": 5, "minute": 32}
